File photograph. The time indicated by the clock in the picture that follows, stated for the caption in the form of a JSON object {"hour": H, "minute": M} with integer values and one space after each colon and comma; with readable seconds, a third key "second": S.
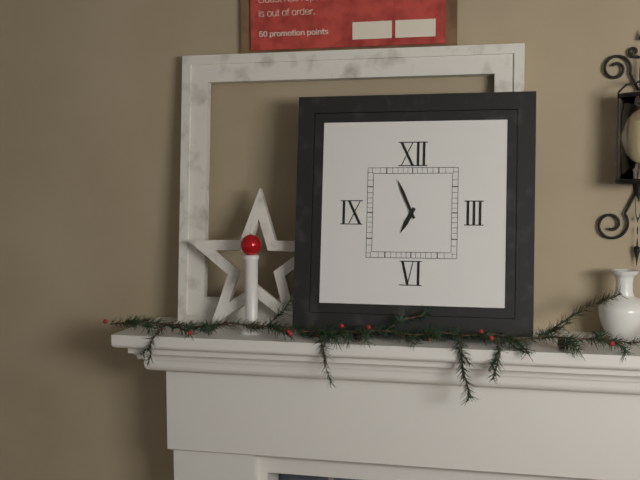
{"hour": 6, "minute": 56}
